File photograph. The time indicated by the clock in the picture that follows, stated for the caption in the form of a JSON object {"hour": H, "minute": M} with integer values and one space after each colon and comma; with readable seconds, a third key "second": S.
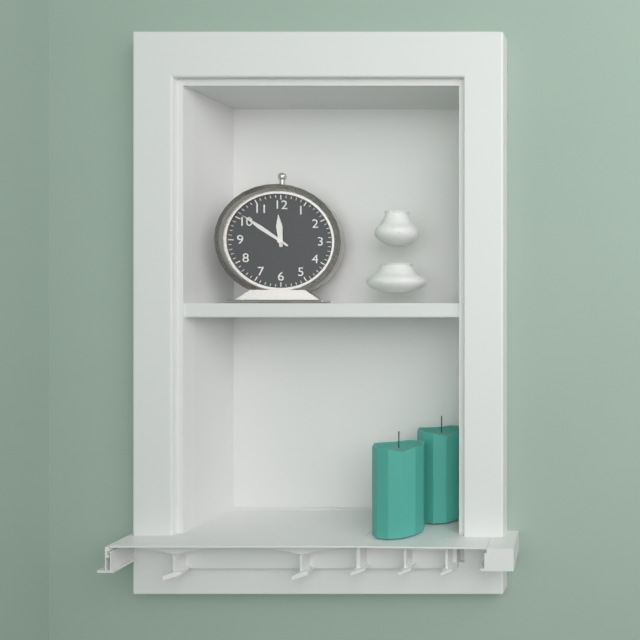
{"hour": 11, "minute": 51}
